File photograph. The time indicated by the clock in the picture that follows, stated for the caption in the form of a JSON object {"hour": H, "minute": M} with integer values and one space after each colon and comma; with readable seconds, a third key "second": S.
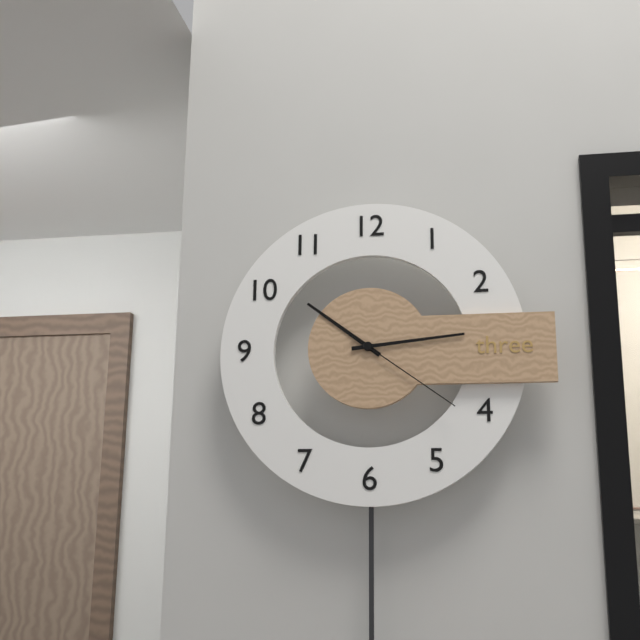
{"hour": 10, "minute": 14, "second": 21}
